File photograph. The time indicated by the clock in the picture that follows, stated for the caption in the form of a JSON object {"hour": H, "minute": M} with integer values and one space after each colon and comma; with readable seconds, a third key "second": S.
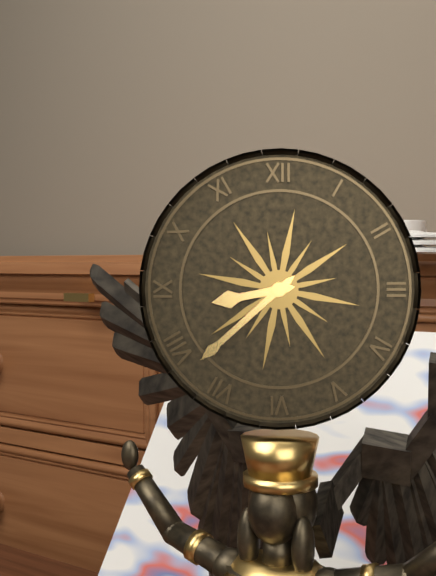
{"hour": 8, "minute": 38}
